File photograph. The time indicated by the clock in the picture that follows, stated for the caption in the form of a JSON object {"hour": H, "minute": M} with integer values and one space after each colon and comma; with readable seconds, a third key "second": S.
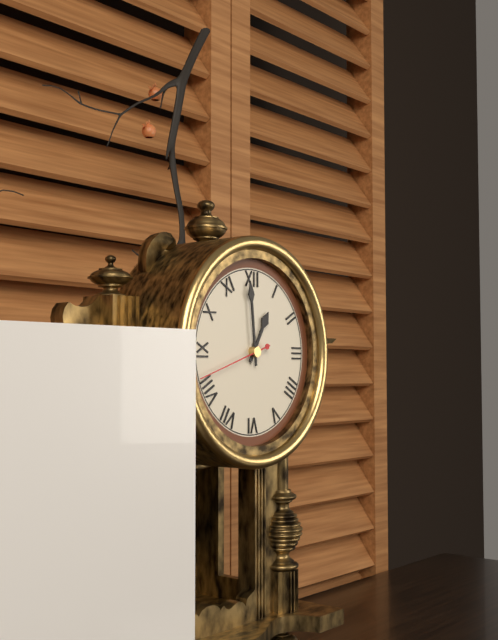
{"hour": 12, "minute": 59, "second": 42}
